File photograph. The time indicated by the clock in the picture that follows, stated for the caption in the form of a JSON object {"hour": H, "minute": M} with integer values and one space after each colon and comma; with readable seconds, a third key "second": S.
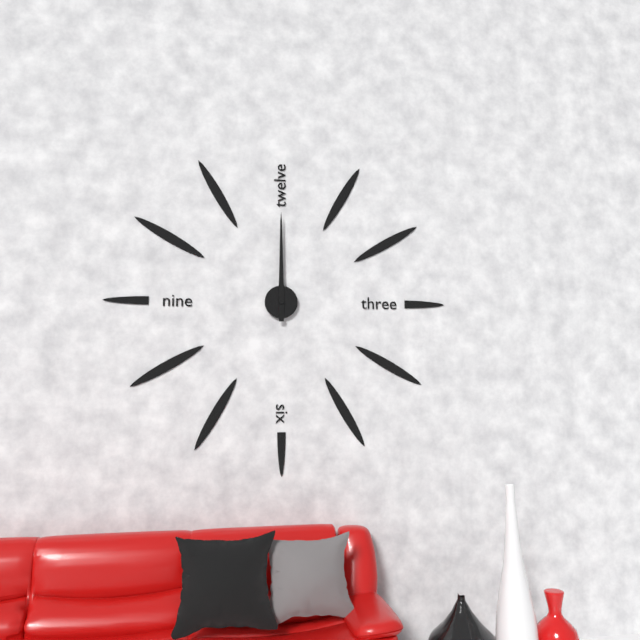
{"hour": 12, "minute": 0}
